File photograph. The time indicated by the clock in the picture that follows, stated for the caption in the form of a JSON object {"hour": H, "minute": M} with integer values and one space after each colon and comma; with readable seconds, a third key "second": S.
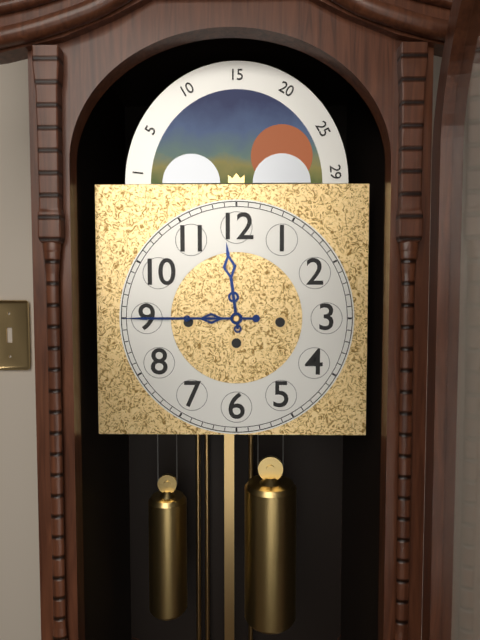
{"hour": 11, "minute": 45}
